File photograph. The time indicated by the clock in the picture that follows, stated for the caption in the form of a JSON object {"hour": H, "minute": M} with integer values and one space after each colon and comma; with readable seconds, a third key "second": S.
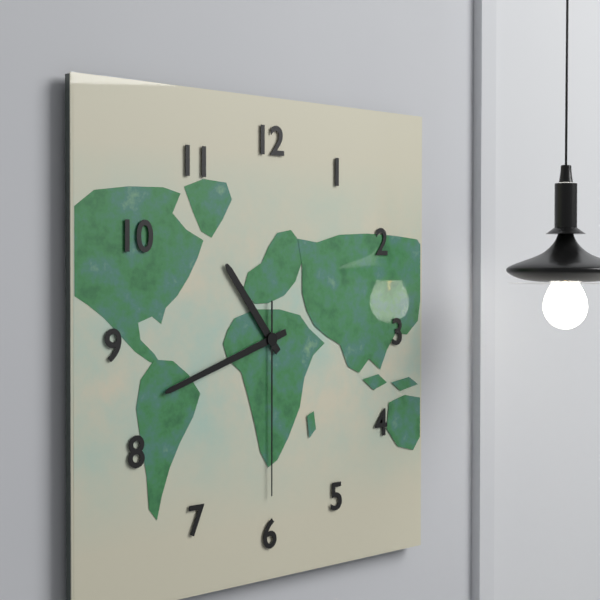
{"hour": 10, "minute": 42, "second": 30}
